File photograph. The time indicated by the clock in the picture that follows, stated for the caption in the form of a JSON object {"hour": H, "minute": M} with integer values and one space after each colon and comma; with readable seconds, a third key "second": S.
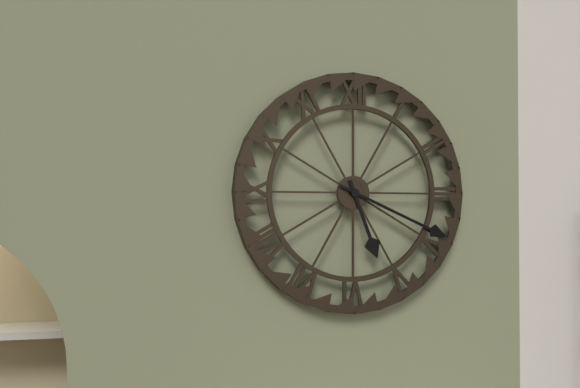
{"hour": 5, "minute": 19}
